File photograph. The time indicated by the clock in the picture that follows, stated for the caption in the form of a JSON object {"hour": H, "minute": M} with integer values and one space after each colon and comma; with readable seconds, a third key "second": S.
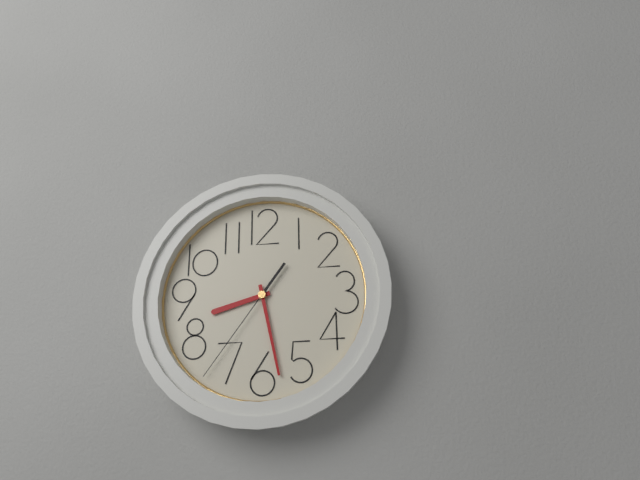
{"hour": 8, "minute": 28, "second": 36}
